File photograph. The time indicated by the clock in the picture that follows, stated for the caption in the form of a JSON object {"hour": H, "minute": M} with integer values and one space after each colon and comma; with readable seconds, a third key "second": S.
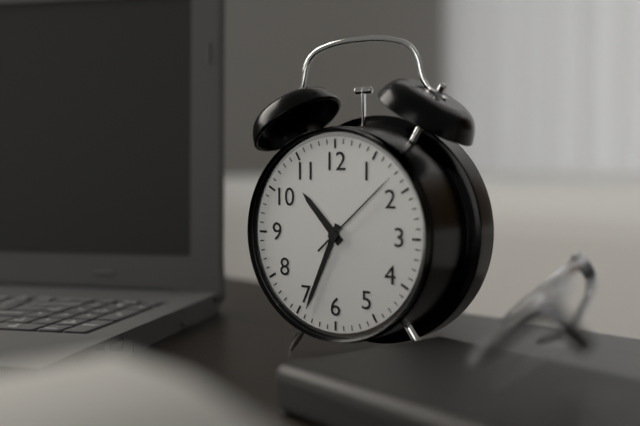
{"hour": 10, "minute": 34, "second": 8}
